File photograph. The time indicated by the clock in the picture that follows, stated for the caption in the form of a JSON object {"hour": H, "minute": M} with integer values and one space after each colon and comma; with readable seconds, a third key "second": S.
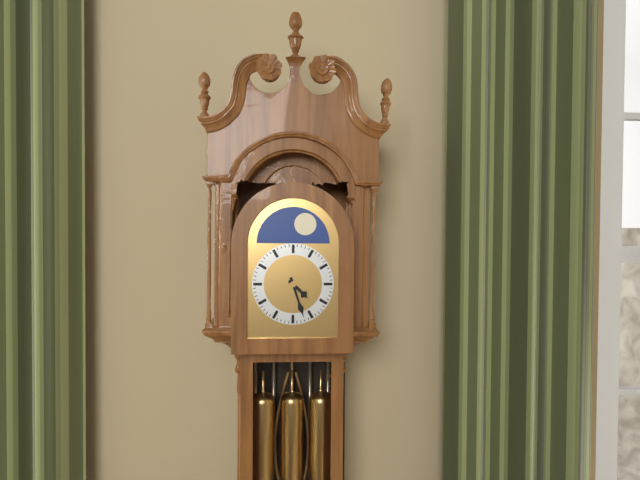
{"hour": 4, "minute": 27}
